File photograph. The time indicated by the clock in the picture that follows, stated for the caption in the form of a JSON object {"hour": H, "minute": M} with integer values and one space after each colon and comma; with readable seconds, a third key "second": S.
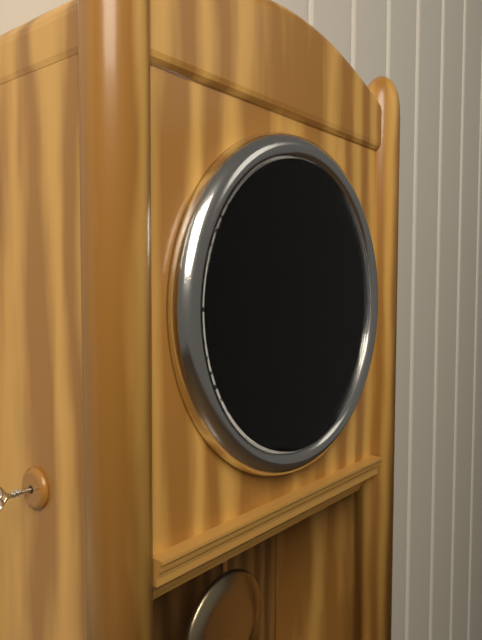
{"hour": 9, "minute": 36}
